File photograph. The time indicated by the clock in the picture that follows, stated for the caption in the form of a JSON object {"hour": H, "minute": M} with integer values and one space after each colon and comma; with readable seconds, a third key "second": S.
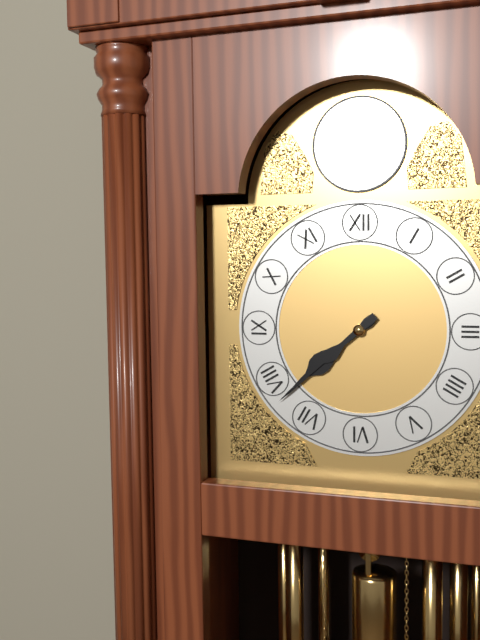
{"hour": 7, "minute": 38}
